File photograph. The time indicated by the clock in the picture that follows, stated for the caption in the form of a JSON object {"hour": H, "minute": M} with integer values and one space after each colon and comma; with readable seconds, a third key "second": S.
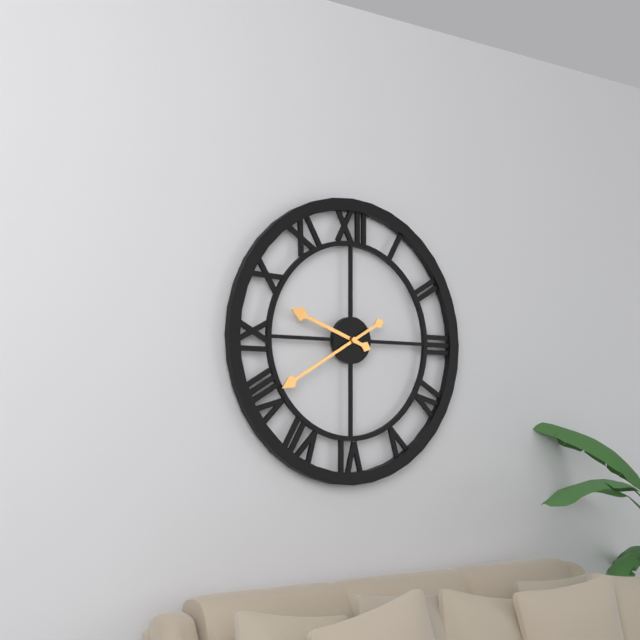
{"hour": 9, "minute": 40}
